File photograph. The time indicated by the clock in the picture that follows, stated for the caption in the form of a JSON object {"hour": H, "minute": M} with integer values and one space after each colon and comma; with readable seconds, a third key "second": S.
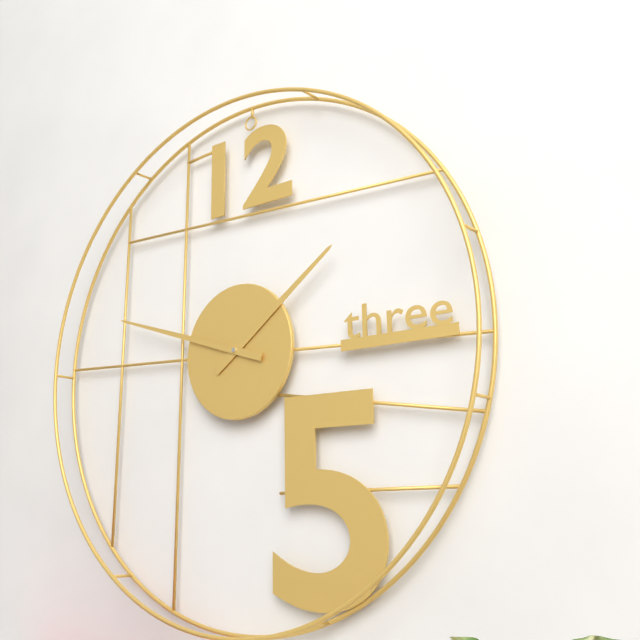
{"hour": 1, "minute": 48}
